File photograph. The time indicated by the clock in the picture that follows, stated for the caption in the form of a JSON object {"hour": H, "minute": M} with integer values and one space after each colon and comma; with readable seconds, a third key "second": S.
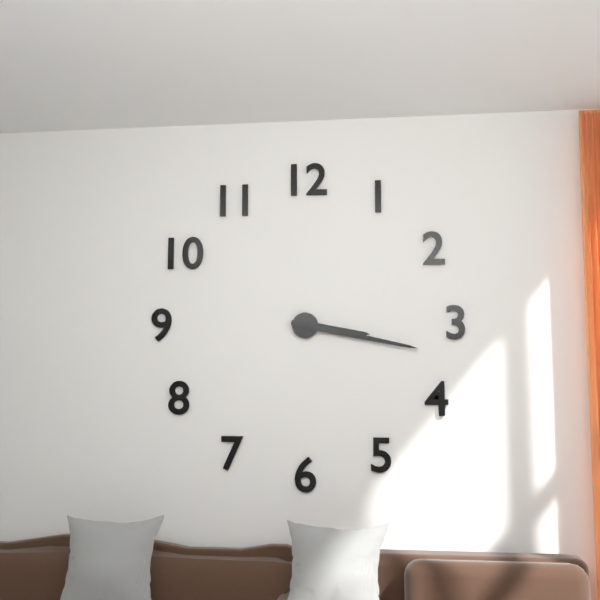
{"hour": 3, "minute": 17}
